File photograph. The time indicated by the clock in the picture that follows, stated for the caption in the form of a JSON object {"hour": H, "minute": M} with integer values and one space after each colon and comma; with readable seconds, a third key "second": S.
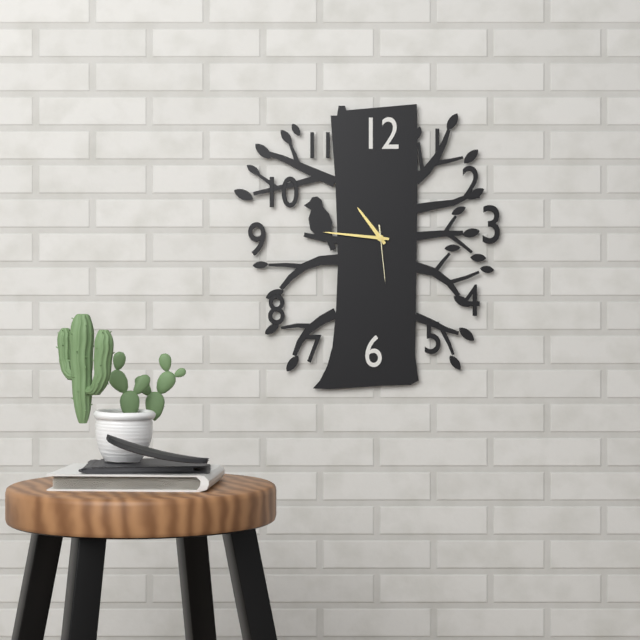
{"hour": 10, "minute": 46, "second": 29}
